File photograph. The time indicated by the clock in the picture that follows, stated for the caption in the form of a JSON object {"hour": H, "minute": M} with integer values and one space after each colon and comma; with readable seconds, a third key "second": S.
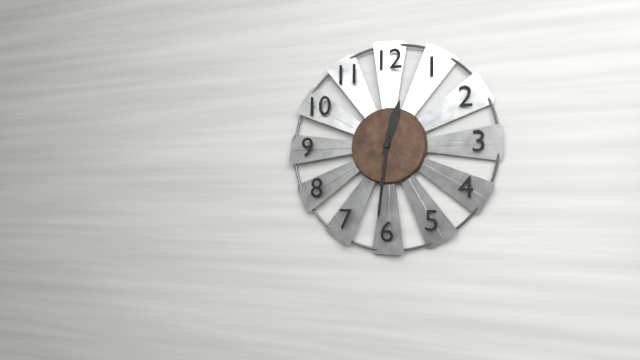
{"hour": 12, "minute": 31}
